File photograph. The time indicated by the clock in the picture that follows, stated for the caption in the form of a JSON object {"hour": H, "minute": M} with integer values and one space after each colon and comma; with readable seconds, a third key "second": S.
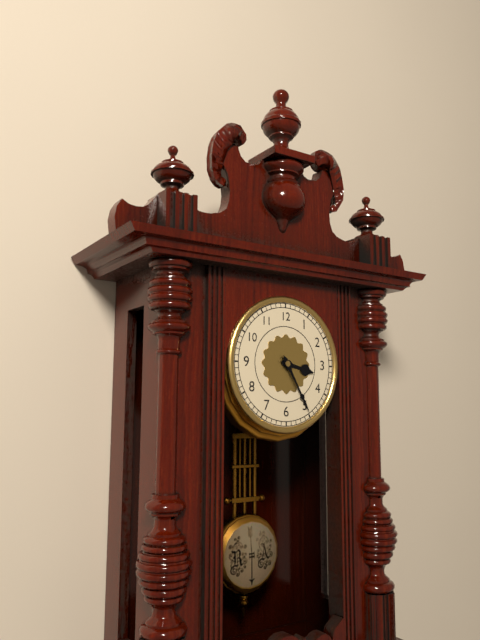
{"hour": 3, "minute": 25}
